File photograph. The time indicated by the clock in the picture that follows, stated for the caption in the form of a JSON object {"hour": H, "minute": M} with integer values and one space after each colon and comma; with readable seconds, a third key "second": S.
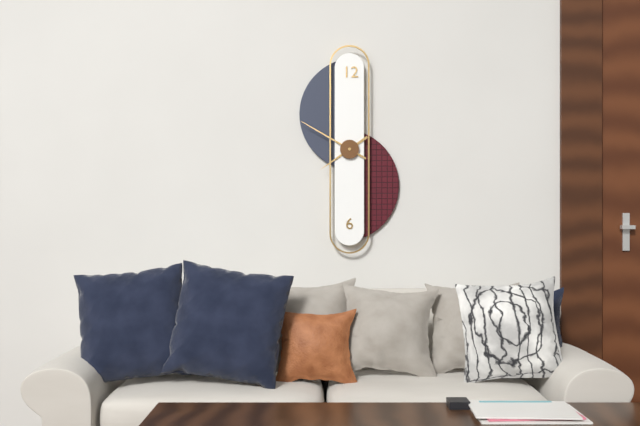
{"hour": 7, "minute": 50}
